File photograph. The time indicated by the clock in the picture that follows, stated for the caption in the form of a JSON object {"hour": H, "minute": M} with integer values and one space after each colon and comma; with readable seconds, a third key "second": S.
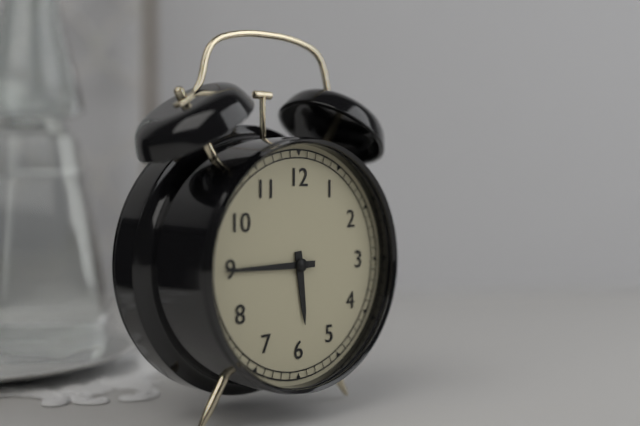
{"hour": 5, "minute": 45}
